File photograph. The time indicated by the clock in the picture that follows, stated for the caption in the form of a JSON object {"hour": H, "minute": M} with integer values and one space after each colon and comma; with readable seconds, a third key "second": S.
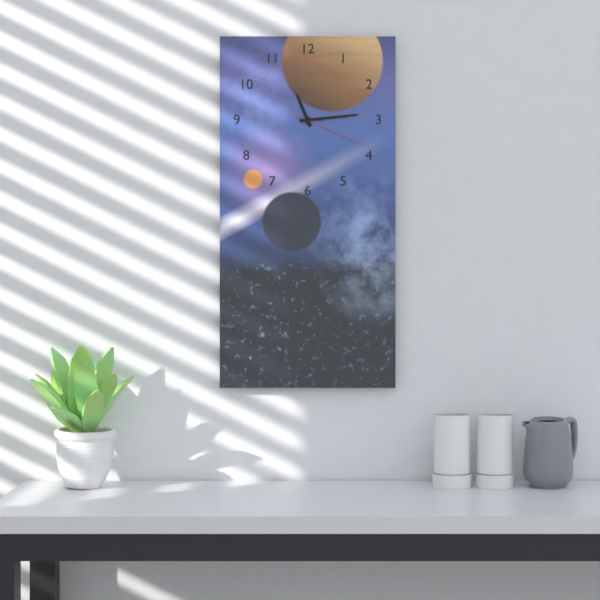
{"hour": 11, "minute": 14, "second": 19}
